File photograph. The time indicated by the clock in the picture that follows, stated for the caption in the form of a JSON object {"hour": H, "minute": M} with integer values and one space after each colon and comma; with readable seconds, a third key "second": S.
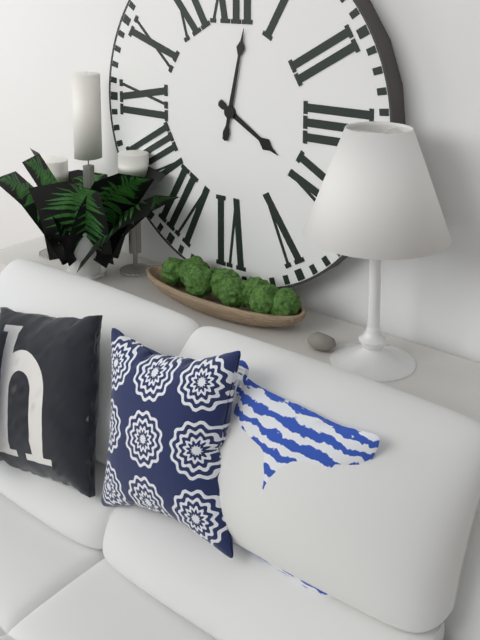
{"hour": 4, "minute": 2}
